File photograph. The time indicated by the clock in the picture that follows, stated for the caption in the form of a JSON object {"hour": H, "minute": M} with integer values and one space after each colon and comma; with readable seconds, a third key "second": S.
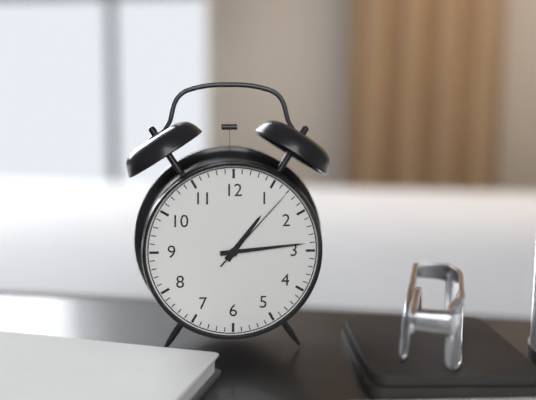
{"hour": 1, "minute": 14, "second": 7}
